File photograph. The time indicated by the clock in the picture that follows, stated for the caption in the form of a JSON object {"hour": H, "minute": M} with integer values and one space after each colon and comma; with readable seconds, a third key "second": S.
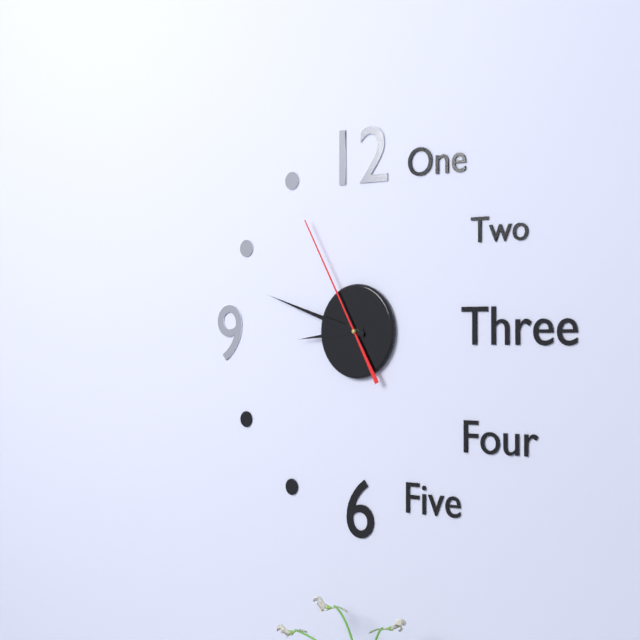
{"hour": 8, "minute": 48, "second": 55}
